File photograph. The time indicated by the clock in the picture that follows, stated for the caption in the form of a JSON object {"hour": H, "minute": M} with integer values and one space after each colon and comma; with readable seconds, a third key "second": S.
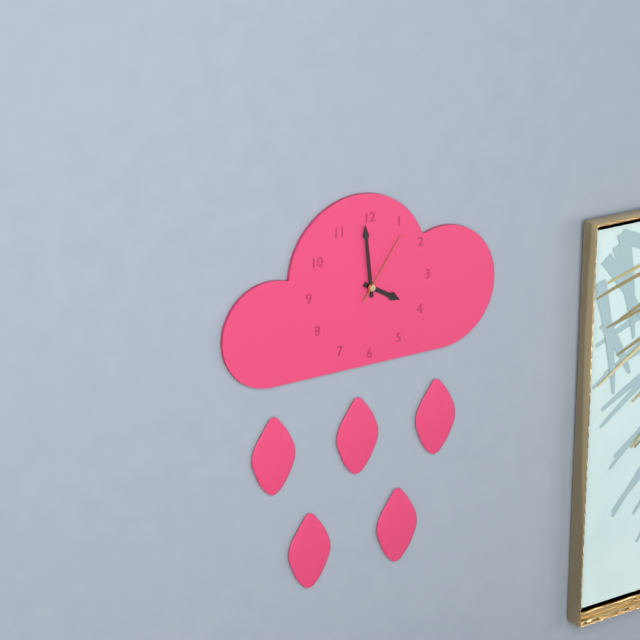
{"hour": 3, "minute": 59, "second": 6}
